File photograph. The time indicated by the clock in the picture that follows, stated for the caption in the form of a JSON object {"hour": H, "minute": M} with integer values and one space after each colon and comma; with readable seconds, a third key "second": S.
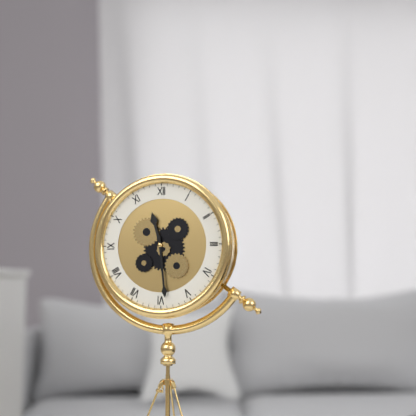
{"hour": 11, "minute": 29}
